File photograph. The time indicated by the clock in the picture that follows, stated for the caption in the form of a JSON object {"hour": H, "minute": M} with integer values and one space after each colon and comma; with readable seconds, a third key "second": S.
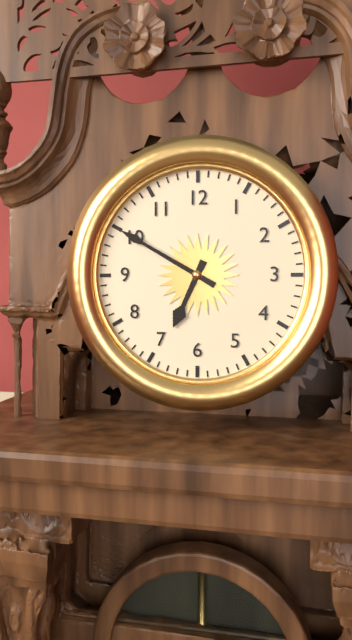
{"hour": 6, "minute": 50}
